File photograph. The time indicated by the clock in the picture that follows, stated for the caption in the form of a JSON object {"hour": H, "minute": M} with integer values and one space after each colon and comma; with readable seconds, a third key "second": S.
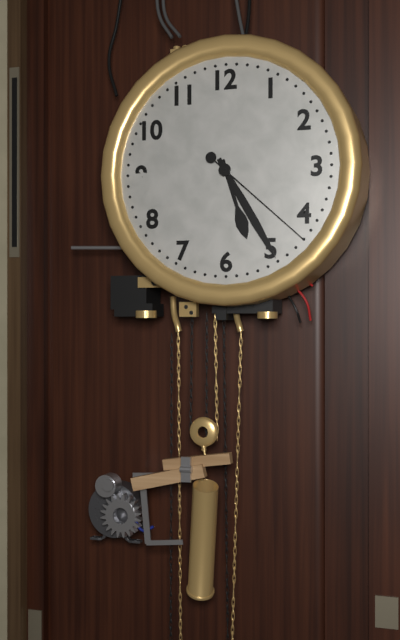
{"hour": 5, "minute": 25, "second": 22}
